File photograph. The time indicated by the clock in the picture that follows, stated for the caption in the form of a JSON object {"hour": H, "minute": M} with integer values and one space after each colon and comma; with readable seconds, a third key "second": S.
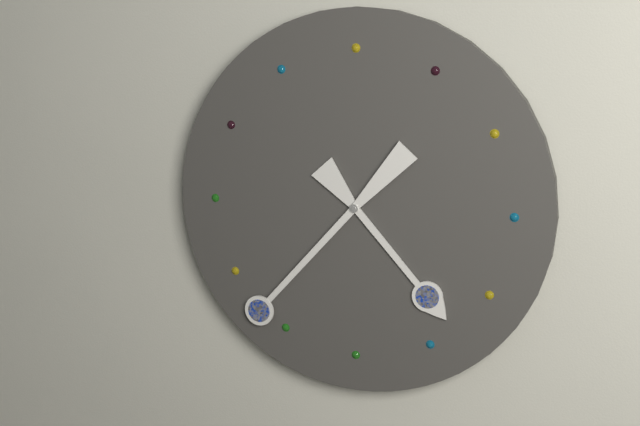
{"hour": 4, "minute": 37}
